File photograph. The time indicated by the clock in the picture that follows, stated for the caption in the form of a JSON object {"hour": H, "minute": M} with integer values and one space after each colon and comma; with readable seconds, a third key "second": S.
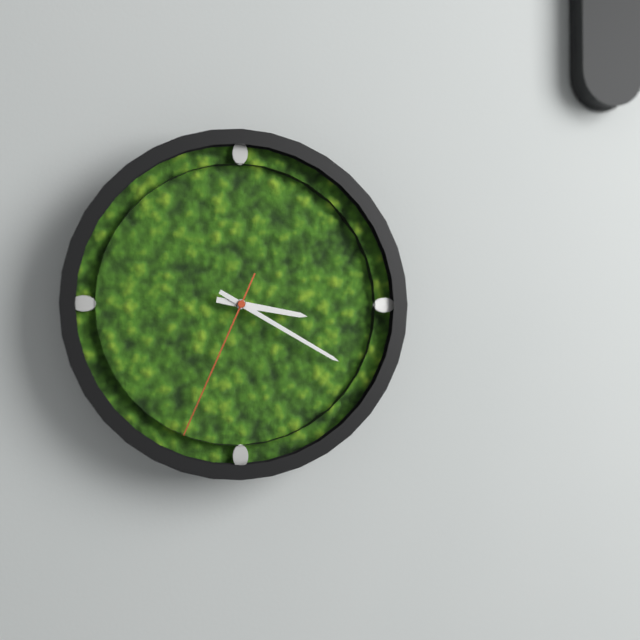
{"hour": 3, "minute": 20, "second": 34}
